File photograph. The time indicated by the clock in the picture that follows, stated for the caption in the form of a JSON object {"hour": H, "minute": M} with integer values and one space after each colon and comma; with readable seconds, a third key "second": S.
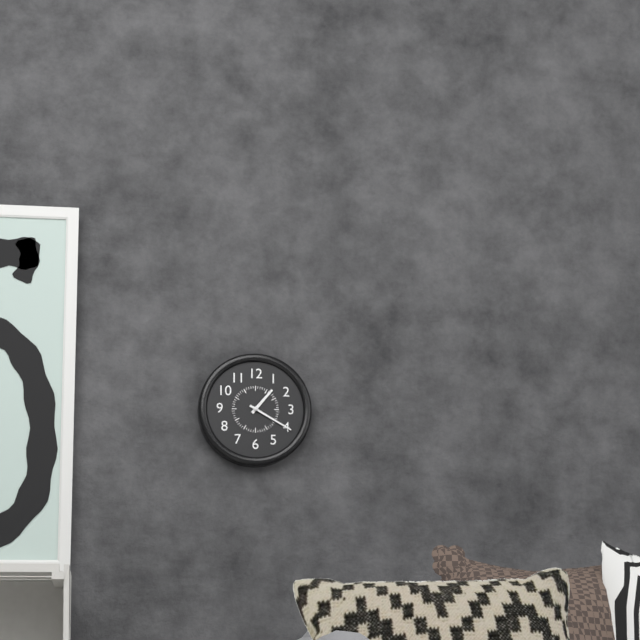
{"hour": 1, "minute": 20}
